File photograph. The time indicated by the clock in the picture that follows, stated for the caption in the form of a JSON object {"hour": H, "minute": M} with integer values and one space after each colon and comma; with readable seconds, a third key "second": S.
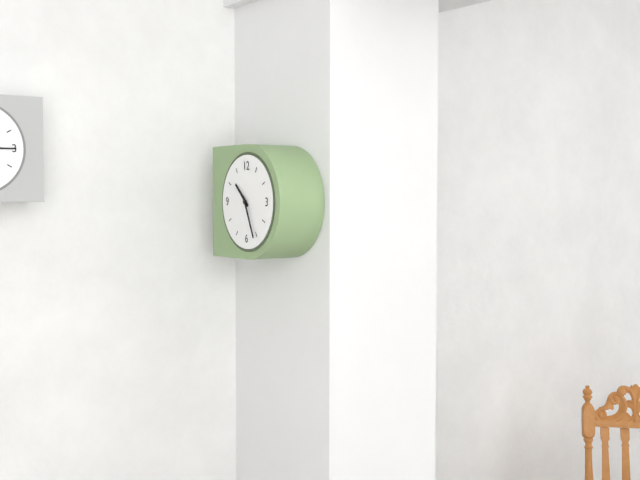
{"hour": 10, "minute": 26}
